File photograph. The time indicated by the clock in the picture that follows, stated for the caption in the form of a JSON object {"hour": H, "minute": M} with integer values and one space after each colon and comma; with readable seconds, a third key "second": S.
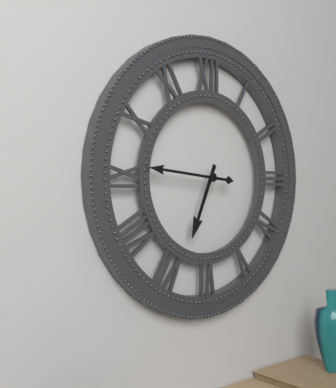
{"hour": 6, "minute": 46}
